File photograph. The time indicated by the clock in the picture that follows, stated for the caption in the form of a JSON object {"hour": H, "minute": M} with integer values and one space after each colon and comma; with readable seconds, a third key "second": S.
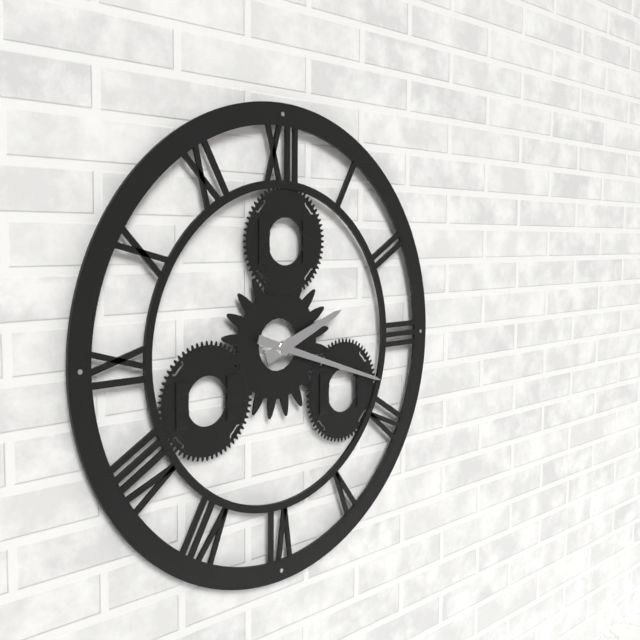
{"hour": 2, "minute": 18}
